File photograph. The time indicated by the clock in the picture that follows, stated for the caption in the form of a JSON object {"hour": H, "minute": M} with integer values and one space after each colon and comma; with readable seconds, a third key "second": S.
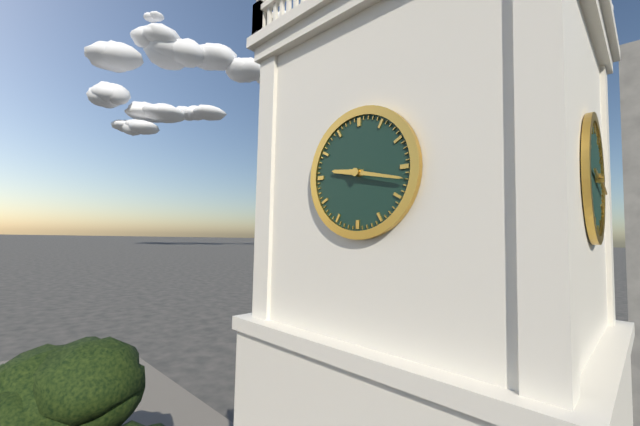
{"hour": 9, "minute": 17}
